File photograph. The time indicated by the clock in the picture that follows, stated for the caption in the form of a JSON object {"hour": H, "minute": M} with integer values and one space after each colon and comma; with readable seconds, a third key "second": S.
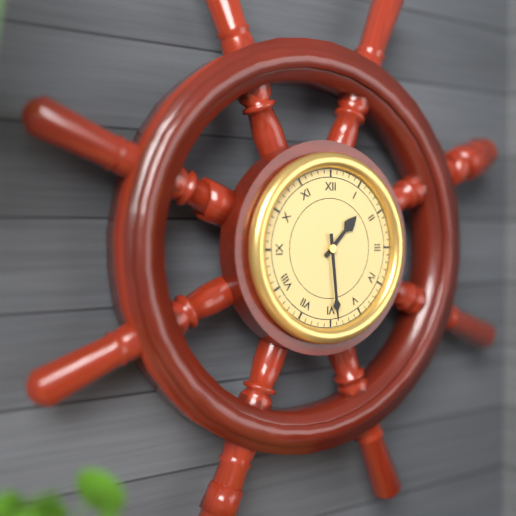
{"hour": 1, "minute": 29}
